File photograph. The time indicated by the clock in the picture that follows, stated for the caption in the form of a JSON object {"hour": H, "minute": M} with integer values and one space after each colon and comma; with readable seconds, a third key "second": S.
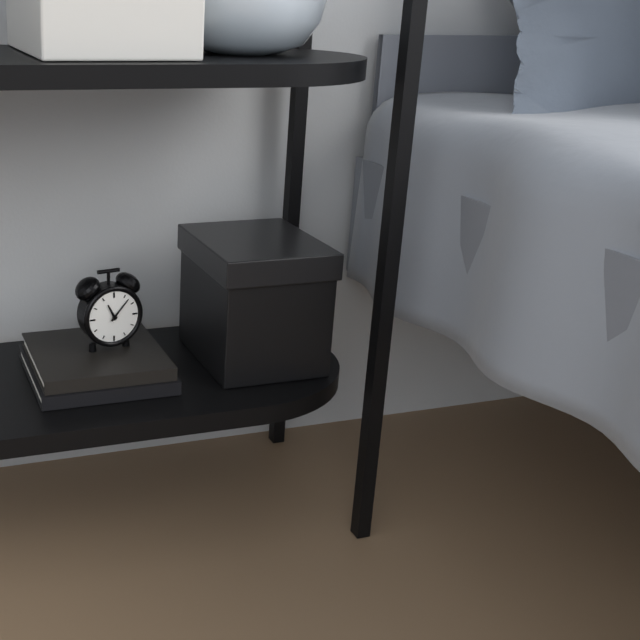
{"hour": 11, "minute": 7}
